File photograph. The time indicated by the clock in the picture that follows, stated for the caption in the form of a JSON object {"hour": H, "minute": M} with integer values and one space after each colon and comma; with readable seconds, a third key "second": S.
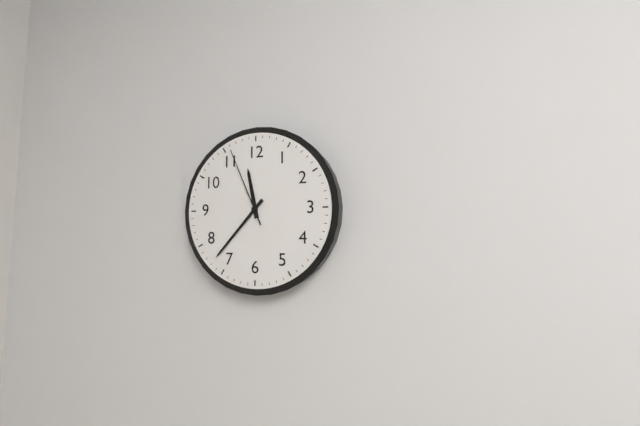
{"hour": 11, "minute": 37, "second": 56}
